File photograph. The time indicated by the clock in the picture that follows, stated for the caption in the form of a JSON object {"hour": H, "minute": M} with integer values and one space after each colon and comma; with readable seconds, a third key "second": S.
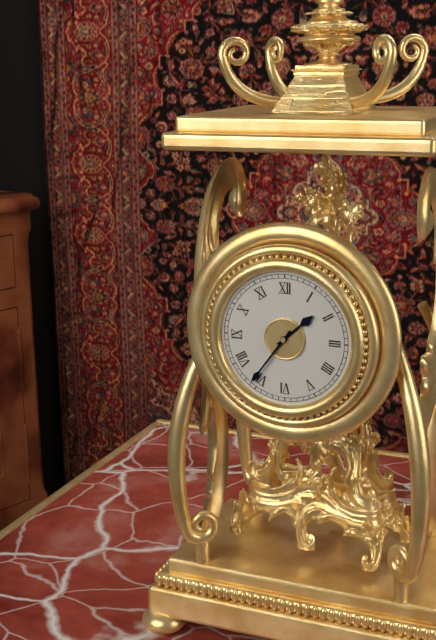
{"hour": 1, "minute": 36}
